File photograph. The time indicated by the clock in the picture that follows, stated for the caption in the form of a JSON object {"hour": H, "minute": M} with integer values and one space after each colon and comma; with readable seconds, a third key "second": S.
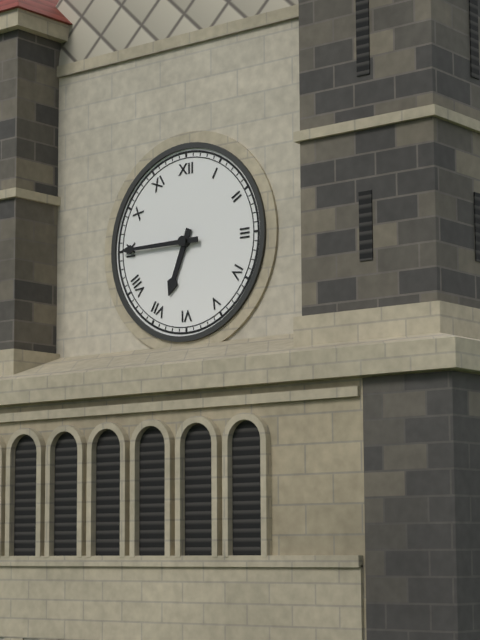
{"hour": 6, "minute": 45}
